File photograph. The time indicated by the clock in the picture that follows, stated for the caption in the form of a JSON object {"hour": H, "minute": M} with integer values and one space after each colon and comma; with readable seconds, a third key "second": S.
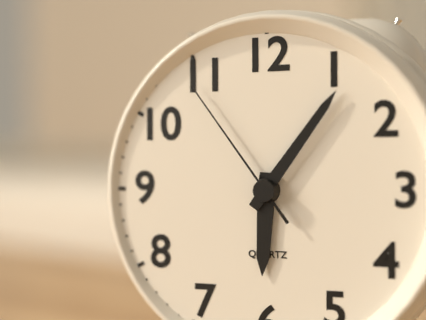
{"hour": 6, "minute": 6, "second": 54}
